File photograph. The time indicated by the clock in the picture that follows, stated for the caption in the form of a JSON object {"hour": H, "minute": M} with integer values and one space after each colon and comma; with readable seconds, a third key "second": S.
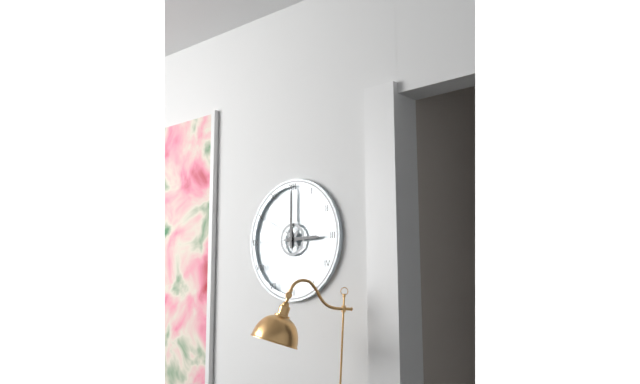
{"hour": 3, "minute": 0}
